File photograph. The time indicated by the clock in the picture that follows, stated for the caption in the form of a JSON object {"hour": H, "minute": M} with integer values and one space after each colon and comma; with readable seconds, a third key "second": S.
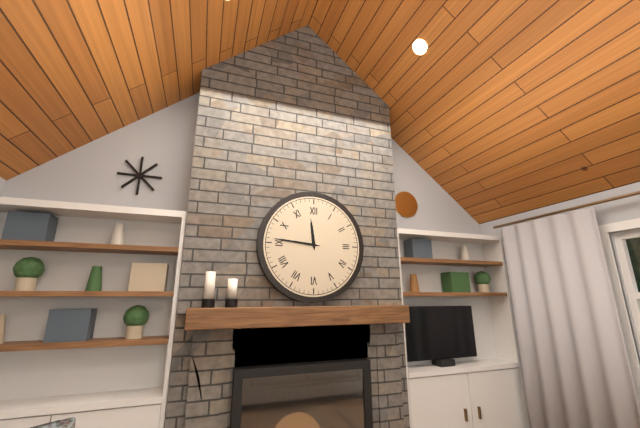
{"hour": 11, "minute": 46}
